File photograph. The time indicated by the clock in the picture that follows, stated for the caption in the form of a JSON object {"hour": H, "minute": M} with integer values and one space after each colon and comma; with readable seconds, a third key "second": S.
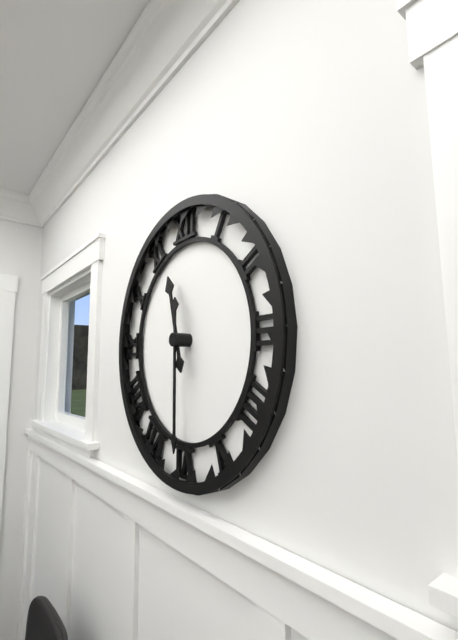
{"hour": 11, "minute": 30}
